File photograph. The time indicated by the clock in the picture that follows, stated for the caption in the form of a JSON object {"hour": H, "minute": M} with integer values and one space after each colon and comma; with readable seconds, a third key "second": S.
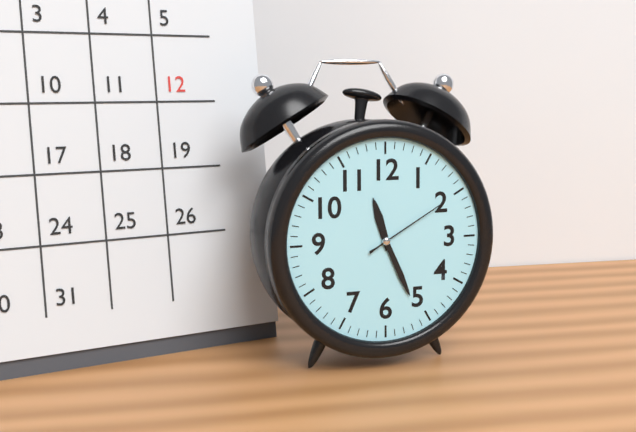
{"hour": 11, "minute": 26, "second": 10}
